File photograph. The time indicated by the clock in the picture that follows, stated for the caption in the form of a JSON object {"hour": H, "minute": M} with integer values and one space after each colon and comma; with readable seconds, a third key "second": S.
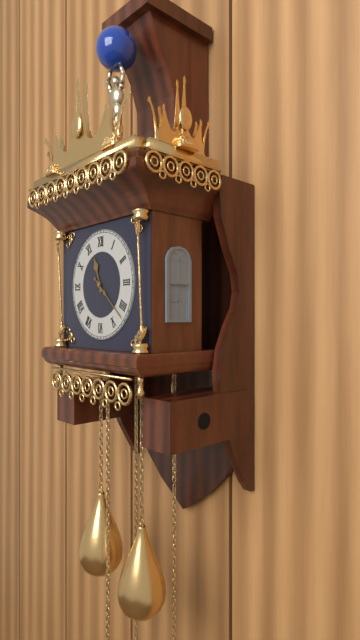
{"hour": 11, "minute": 22}
